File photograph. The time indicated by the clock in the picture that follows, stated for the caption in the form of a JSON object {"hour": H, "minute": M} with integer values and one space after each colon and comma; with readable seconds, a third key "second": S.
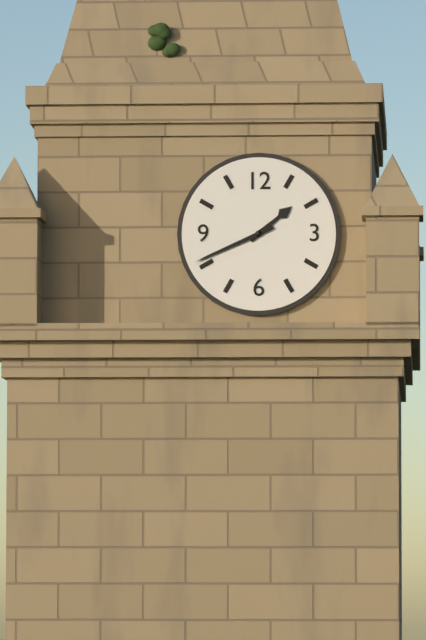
{"hour": 1, "minute": 41}
